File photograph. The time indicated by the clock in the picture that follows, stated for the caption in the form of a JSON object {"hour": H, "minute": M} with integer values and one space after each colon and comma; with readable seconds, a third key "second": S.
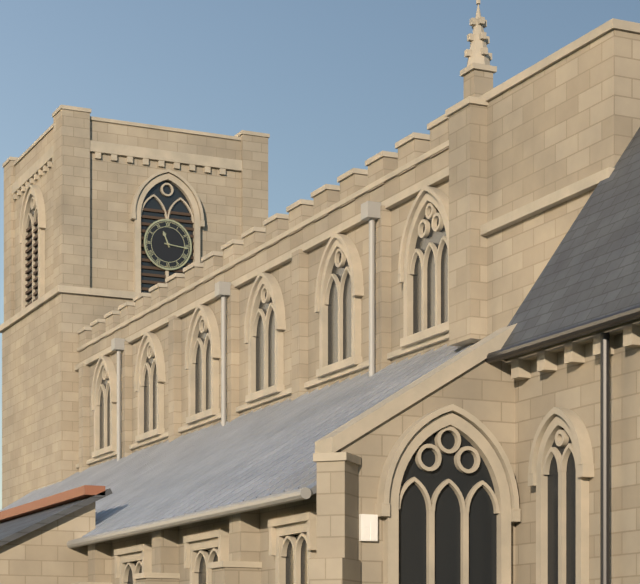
{"hour": 11, "minute": 16}
